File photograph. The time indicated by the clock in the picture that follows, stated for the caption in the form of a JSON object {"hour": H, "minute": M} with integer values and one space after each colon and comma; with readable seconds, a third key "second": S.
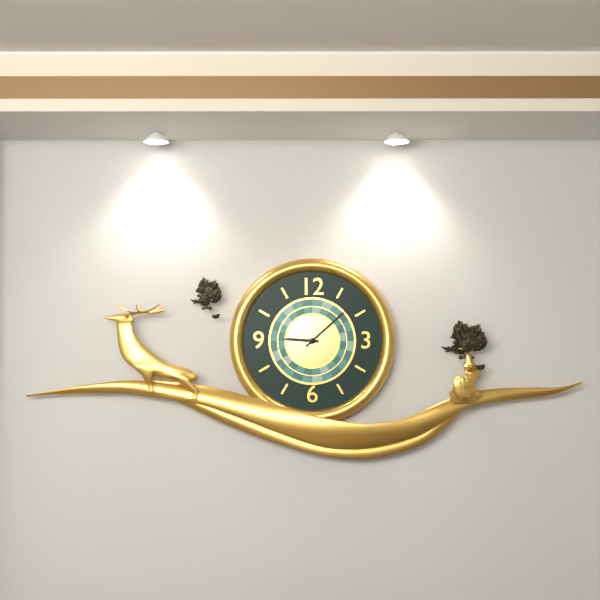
{"hour": 9, "minute": 8}
